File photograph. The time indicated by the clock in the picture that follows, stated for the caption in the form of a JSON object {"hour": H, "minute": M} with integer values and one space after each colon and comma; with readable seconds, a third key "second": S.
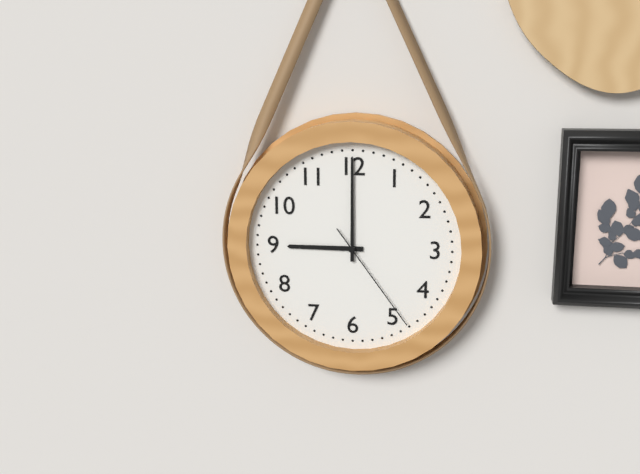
{"hour": 9, "minute": 0, "second": 24}
